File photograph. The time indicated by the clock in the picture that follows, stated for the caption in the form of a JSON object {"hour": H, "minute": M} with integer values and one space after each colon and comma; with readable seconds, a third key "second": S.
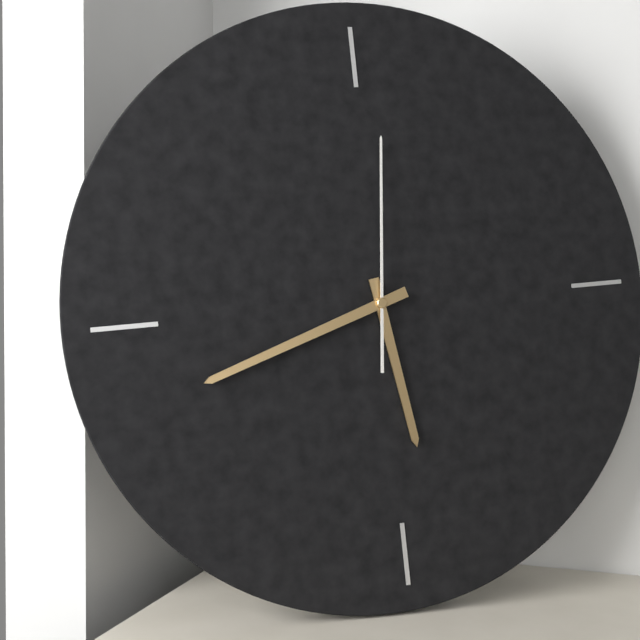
{"hour": 5, "minute": 42, "second": 1}
